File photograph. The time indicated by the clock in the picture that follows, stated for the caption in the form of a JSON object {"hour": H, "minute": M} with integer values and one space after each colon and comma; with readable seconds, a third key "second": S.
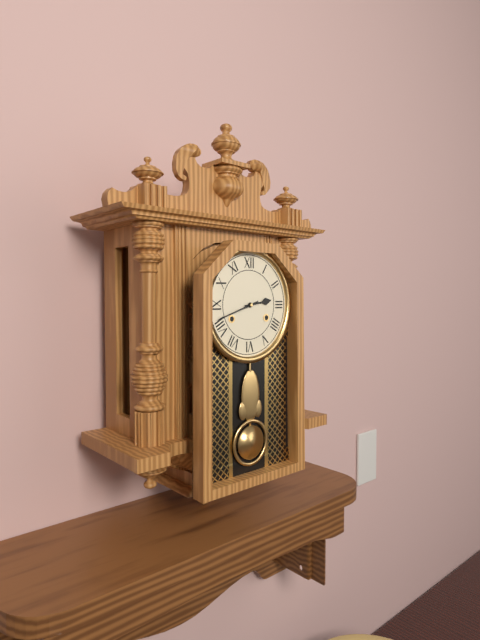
{"hour": 2, "minute": 42}
